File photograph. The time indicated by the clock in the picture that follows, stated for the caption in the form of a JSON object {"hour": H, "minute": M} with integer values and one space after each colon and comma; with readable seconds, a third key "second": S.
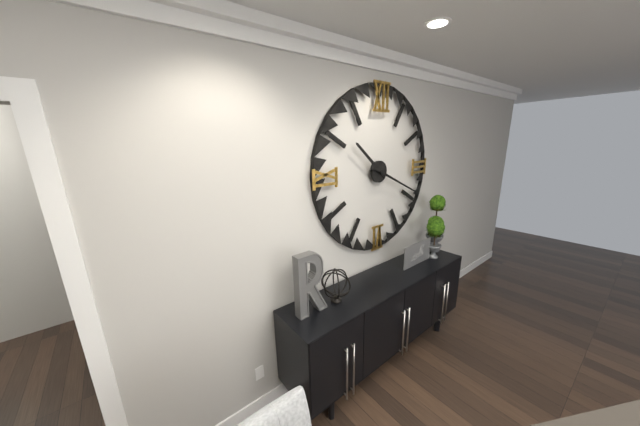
{"hour": 10, "minute": 19}
